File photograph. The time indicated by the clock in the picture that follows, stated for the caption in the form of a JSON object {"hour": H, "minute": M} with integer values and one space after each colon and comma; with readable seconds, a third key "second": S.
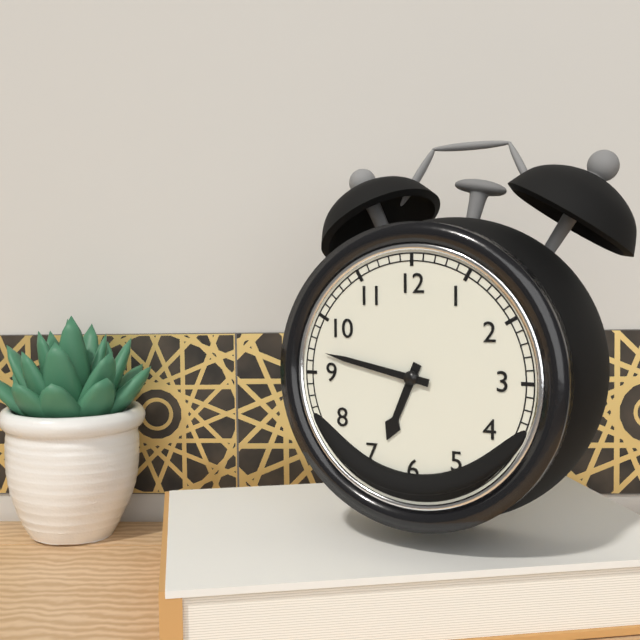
{"hour": 6, "minute": 47}
